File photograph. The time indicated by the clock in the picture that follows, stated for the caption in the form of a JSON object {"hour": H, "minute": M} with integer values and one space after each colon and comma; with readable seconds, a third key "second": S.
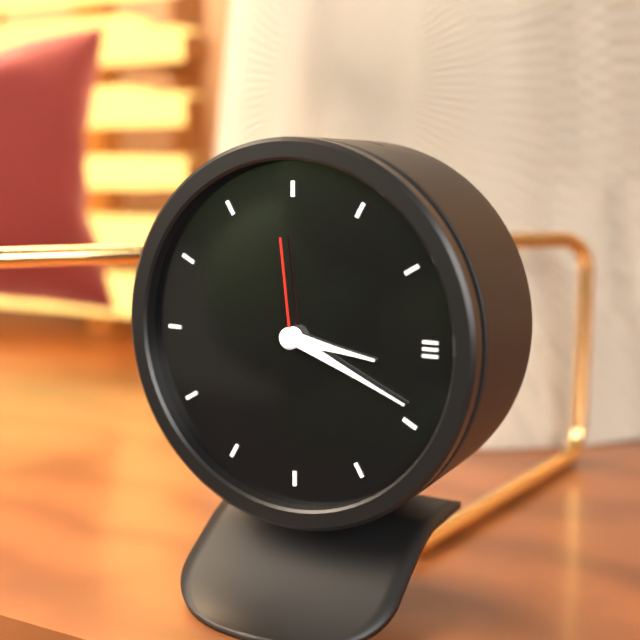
{"hour": 3, "minute": 19, "second": 59}
